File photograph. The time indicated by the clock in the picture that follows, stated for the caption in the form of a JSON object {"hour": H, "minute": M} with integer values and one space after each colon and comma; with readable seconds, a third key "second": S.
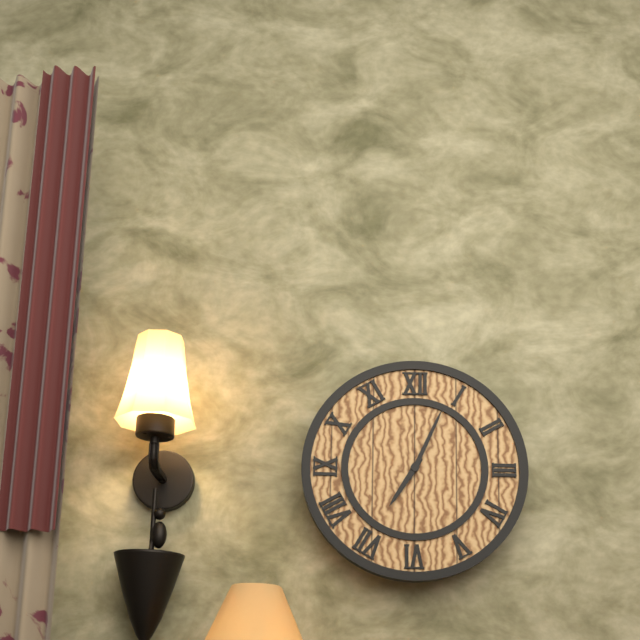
{"hour": 7, "minute": 4}
